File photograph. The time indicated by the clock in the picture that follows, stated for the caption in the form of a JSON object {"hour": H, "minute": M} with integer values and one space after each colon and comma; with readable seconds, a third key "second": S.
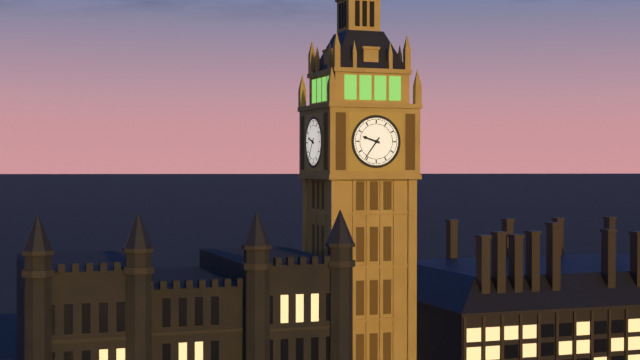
{"hour": 9, "minute": 36}
